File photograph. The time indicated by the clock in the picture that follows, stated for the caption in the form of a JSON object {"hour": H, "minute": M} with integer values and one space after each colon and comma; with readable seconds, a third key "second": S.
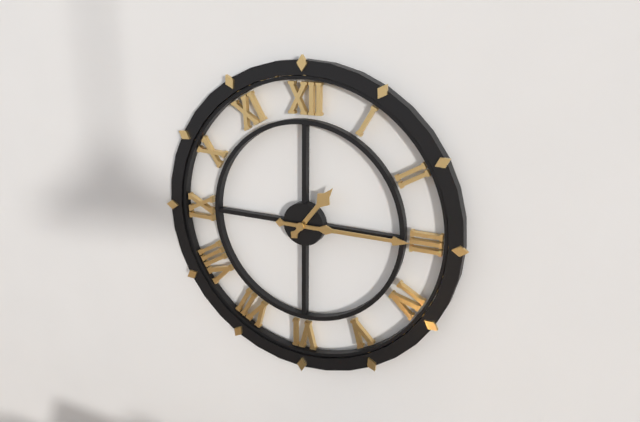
{"hour": 1, "minute": 15}
